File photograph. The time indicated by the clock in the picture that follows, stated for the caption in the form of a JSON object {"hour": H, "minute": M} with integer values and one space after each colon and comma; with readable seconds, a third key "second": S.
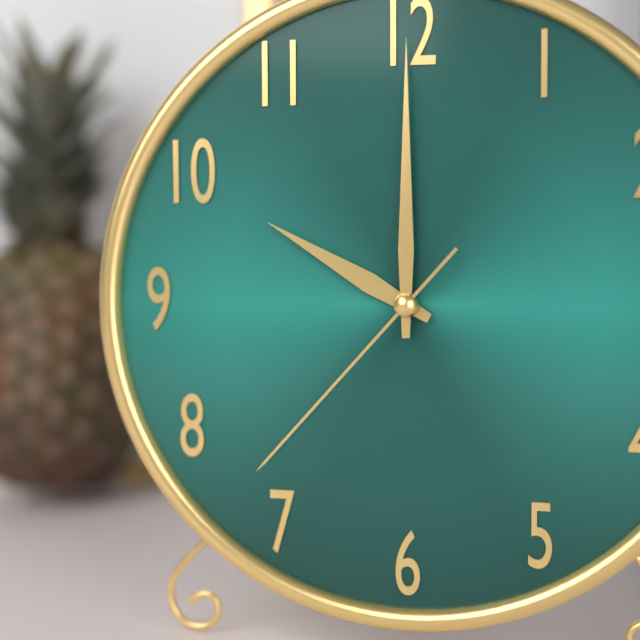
{"hour": 10, "minute": 0, "second": 37}
